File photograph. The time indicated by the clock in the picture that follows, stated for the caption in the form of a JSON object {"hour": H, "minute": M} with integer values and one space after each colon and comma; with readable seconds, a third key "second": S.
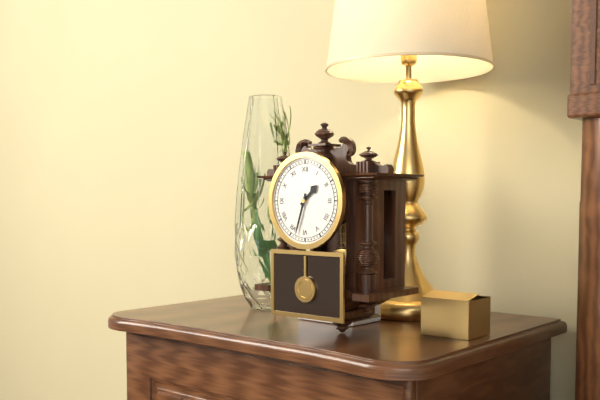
{"hour": 1, "minute": 33}
